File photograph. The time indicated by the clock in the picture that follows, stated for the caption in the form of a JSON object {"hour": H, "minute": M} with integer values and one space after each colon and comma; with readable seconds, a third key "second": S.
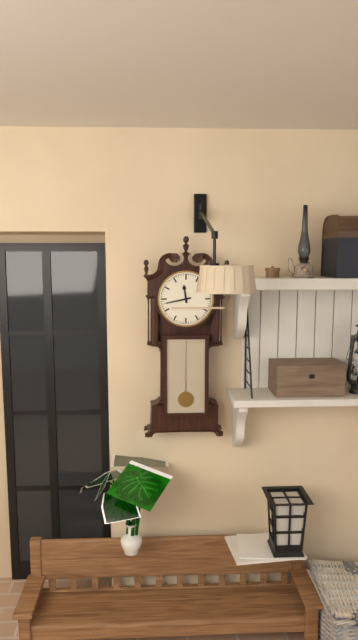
{"hour": 11, "minute": 43}
